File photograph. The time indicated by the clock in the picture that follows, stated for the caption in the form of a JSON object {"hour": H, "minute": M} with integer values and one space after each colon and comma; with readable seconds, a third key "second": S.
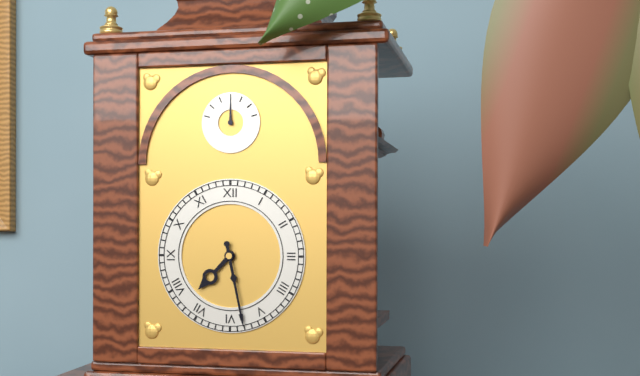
{"hour": 7, "minute": 28}
